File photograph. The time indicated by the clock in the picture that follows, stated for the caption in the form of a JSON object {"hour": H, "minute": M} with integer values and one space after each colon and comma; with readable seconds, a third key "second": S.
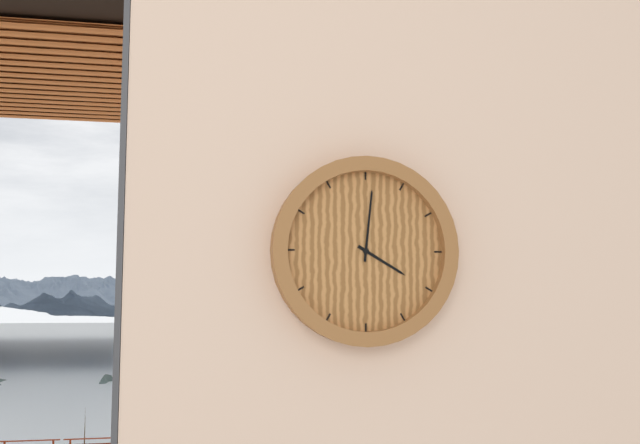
{"hour": 4, "minute": 1}
